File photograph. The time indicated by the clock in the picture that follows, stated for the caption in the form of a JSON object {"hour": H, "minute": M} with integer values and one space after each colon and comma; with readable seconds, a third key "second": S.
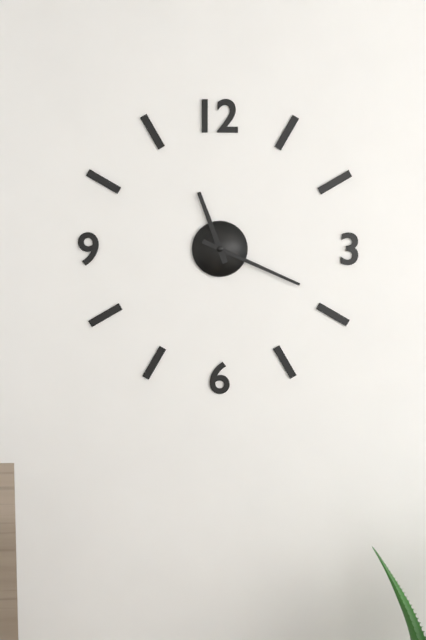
{"hour": 11, "minute": 19}
